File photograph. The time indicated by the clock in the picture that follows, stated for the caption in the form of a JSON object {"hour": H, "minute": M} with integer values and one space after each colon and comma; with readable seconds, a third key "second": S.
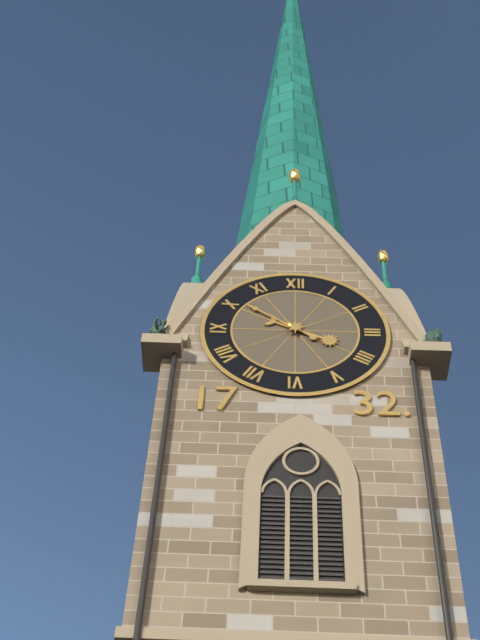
{"hour": 3, "minute": 51}
